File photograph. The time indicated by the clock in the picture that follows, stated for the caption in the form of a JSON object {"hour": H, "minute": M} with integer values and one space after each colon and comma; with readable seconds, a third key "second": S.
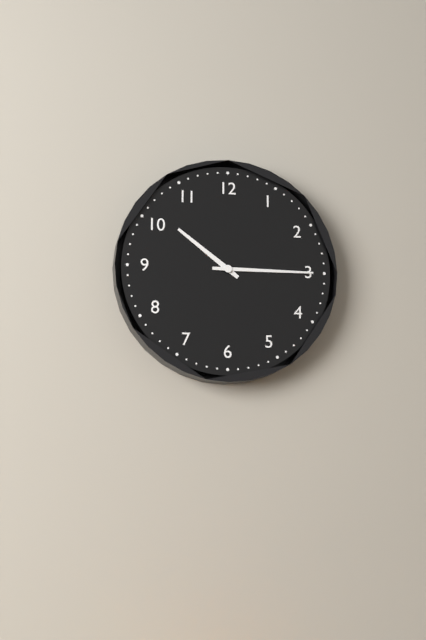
{"hour": 10, "minute": 15}
